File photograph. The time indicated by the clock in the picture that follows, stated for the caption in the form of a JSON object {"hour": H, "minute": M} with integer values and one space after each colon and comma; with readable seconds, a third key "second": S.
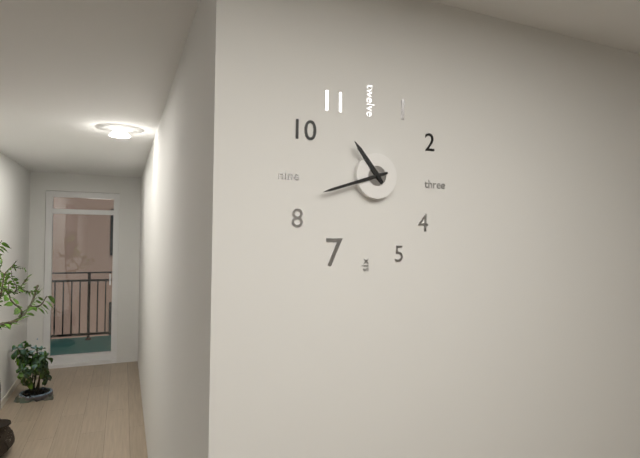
{"hour": 10, "minute": 42}
